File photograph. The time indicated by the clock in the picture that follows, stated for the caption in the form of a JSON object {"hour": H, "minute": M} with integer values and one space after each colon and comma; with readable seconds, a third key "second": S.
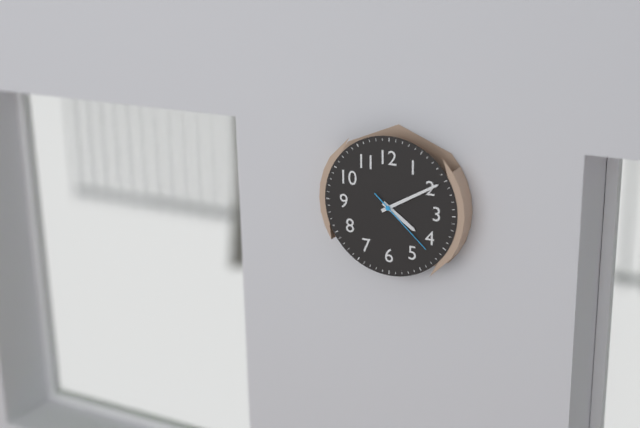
{"hour": 4, "minute": 10, "second": 22}
